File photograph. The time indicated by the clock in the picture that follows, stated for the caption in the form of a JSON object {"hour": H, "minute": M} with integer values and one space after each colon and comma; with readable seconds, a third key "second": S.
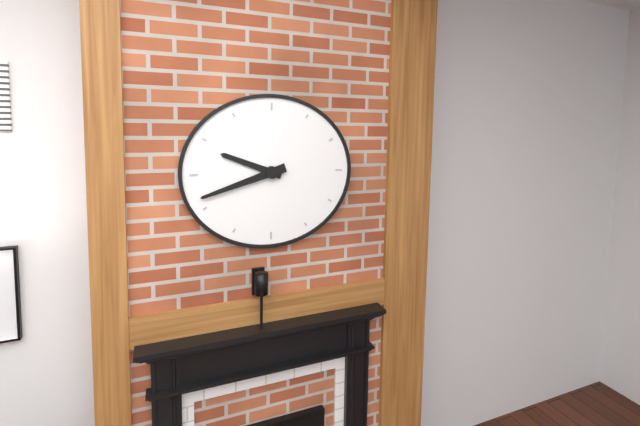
{"hour": 9, "minute": 42}
